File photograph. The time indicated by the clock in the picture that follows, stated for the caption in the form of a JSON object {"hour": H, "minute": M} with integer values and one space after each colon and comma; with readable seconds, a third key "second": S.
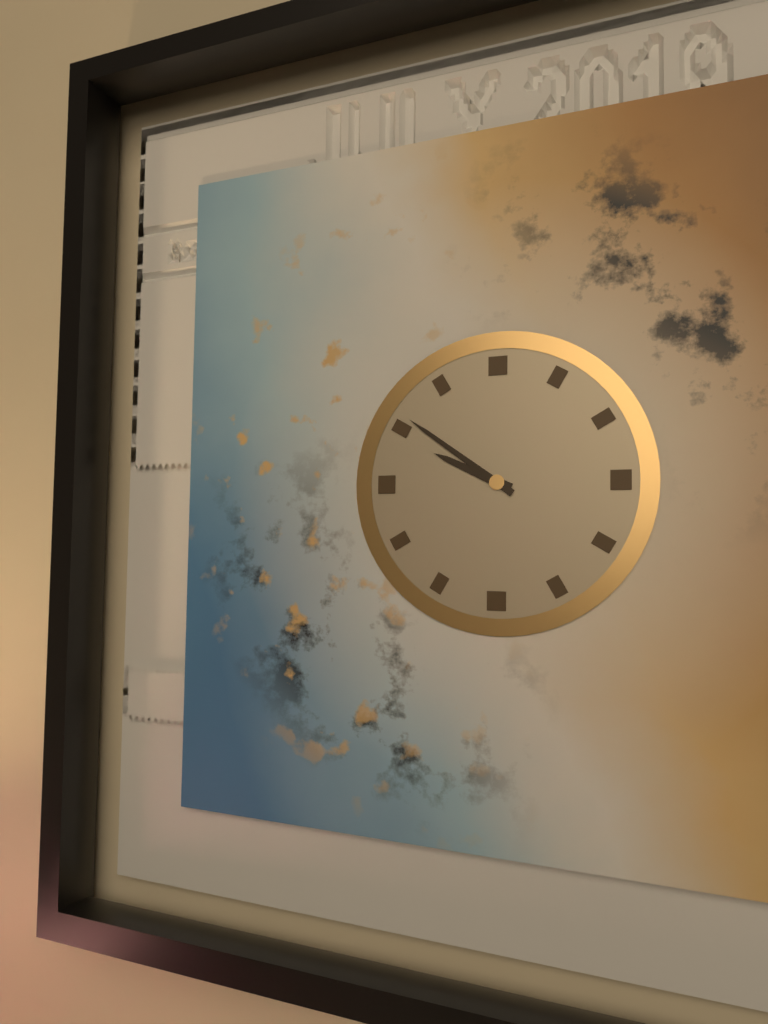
{"hour": 9, "minute": 51}
